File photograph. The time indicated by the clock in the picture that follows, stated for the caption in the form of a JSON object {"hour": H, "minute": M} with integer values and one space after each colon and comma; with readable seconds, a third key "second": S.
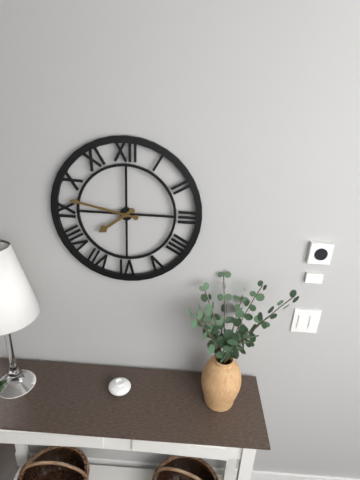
{"hour": 7, "minute": 47}
